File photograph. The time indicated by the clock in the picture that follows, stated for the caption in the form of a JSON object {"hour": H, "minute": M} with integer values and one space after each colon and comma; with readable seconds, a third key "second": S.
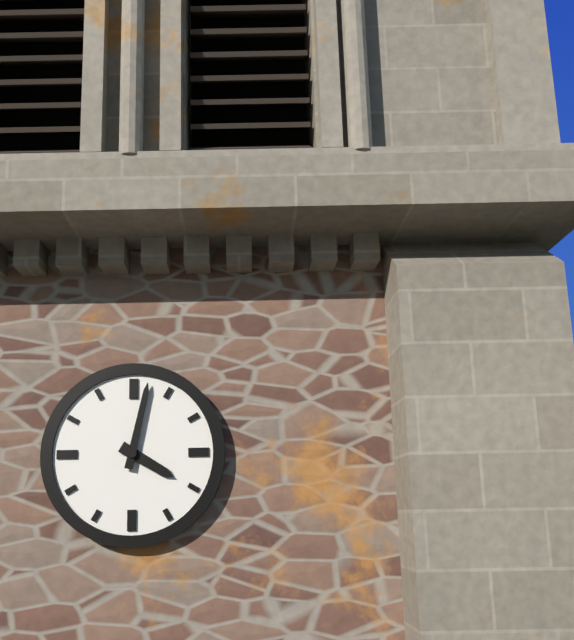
{"hour": 4, "minute": 2}
